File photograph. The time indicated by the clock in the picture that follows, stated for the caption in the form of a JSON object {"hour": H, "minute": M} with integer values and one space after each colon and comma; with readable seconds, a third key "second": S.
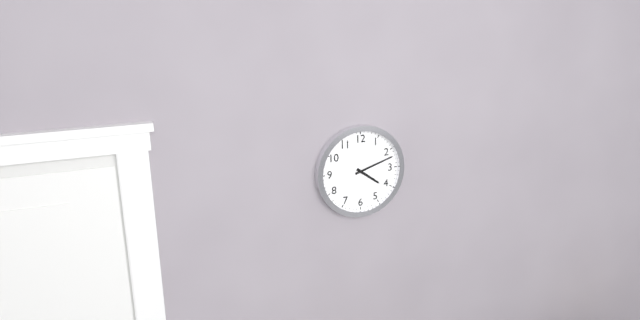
{"hour": 4, "minute": 12}
